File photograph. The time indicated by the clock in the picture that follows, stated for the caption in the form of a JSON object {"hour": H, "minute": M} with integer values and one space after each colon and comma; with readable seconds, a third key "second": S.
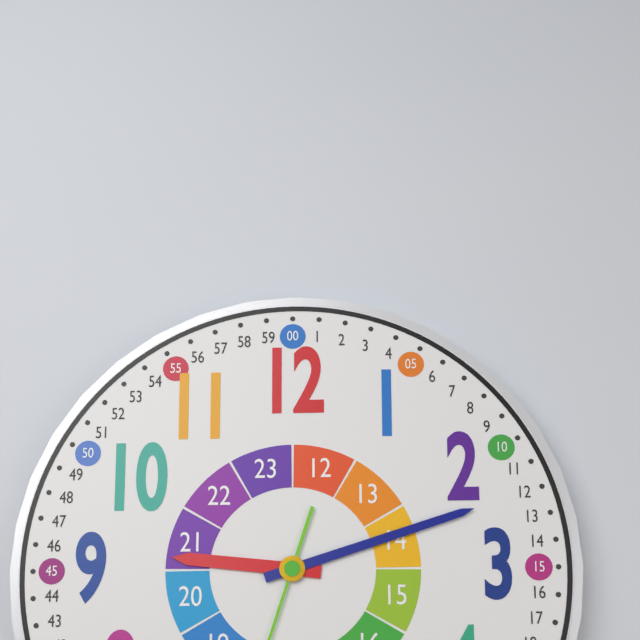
{"hour": 9, "minute": 12}
